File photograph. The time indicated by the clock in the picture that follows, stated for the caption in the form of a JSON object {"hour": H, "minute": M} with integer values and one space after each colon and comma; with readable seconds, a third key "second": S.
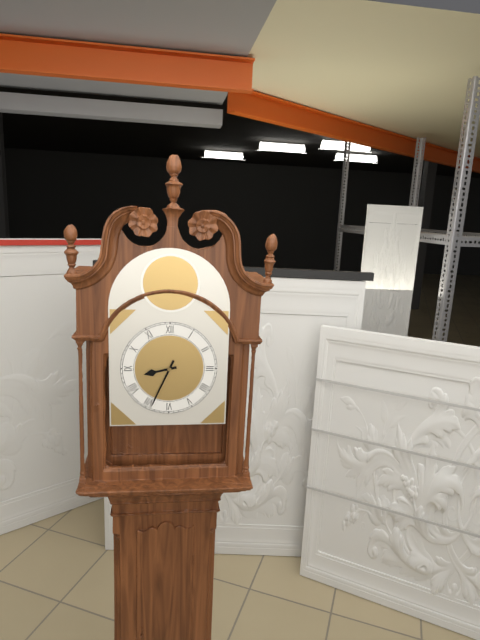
{"hour": 8, "minute": 34}
